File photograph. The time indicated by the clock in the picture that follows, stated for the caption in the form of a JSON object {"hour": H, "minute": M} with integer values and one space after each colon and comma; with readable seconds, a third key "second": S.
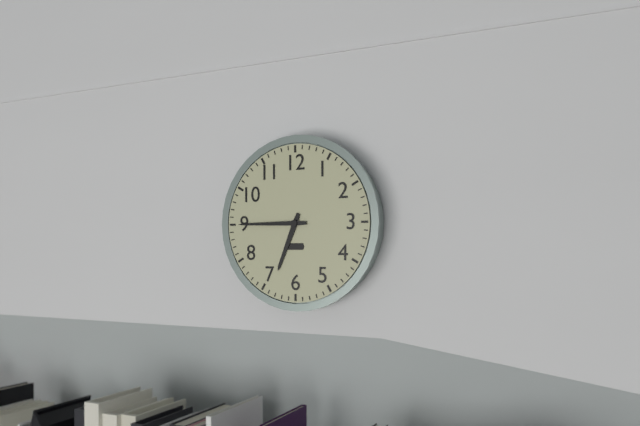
{"hour": 6, "minute": 45}
